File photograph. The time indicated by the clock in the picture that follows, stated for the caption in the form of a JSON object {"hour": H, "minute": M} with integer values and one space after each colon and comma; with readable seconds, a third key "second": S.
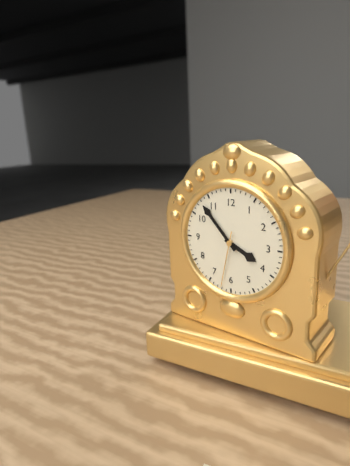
{"hour": 3, "minute": 53, "second": 32}
